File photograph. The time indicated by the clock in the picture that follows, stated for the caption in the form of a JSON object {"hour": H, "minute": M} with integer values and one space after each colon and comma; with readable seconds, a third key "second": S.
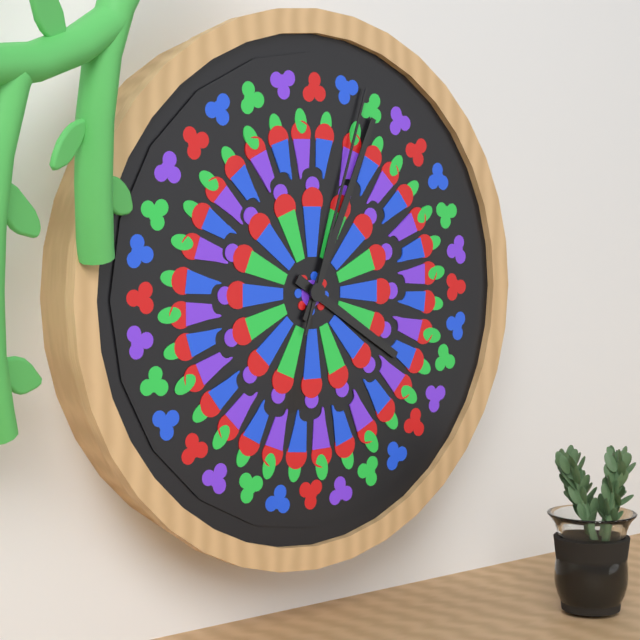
{"hour": 4, "minute": 4, "second": 3}
